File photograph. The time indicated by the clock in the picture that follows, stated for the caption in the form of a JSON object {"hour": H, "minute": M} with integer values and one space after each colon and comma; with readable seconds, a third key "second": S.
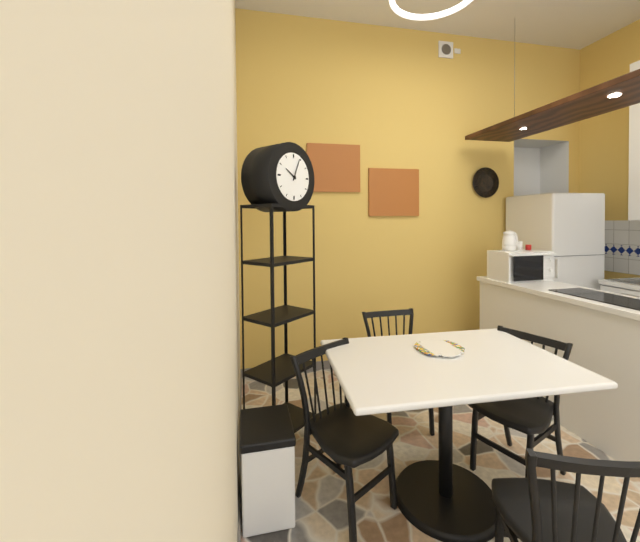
{"hour": 10, "minute": 4}
